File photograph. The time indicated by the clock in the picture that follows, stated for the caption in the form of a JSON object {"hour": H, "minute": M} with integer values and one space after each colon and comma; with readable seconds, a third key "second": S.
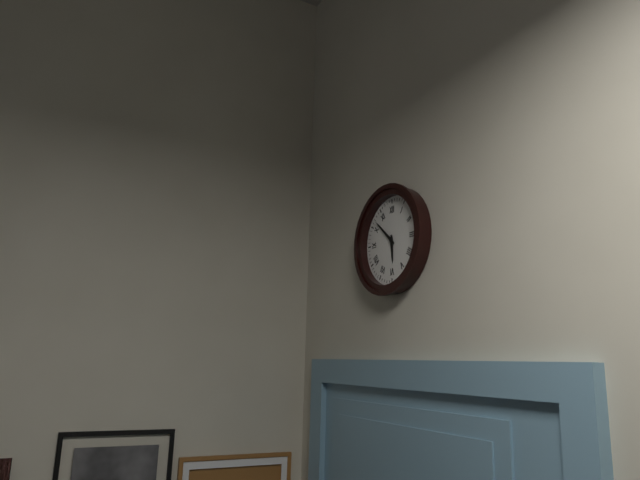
{"hour": 5, "minute": 52}
